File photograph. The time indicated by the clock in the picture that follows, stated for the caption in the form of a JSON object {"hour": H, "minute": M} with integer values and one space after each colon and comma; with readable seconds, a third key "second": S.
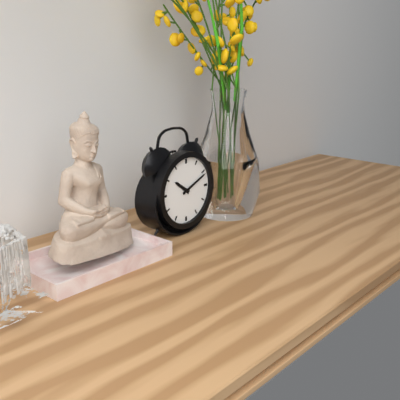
{"hour": 10, "minute": 11}
